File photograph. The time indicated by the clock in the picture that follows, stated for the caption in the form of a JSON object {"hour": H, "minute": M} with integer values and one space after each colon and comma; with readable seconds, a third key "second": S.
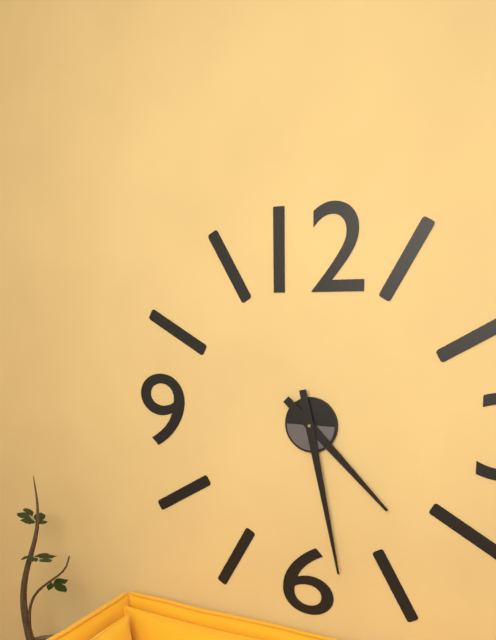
{"hour": 4, "minute": 28}
